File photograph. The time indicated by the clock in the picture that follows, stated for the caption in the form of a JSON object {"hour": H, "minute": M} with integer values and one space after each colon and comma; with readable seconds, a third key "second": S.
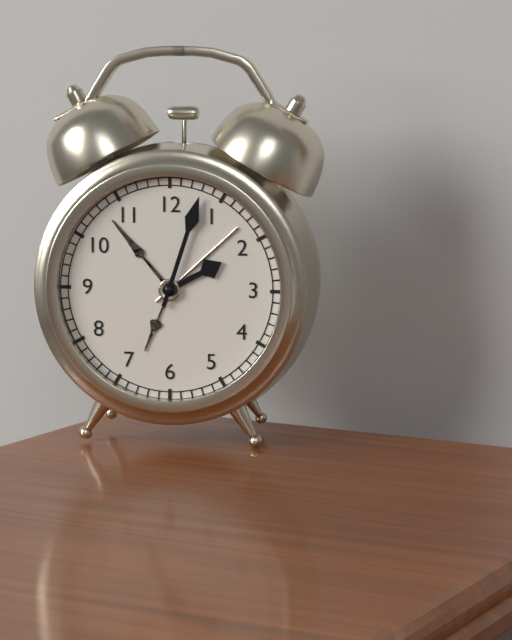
{"hour": 2, "minute": 3}
